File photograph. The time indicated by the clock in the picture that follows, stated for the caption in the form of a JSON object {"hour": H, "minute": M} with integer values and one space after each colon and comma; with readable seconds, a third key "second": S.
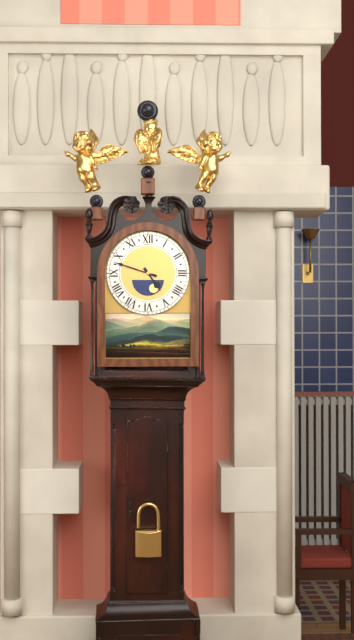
{"hour": 4, "minute": 48}
